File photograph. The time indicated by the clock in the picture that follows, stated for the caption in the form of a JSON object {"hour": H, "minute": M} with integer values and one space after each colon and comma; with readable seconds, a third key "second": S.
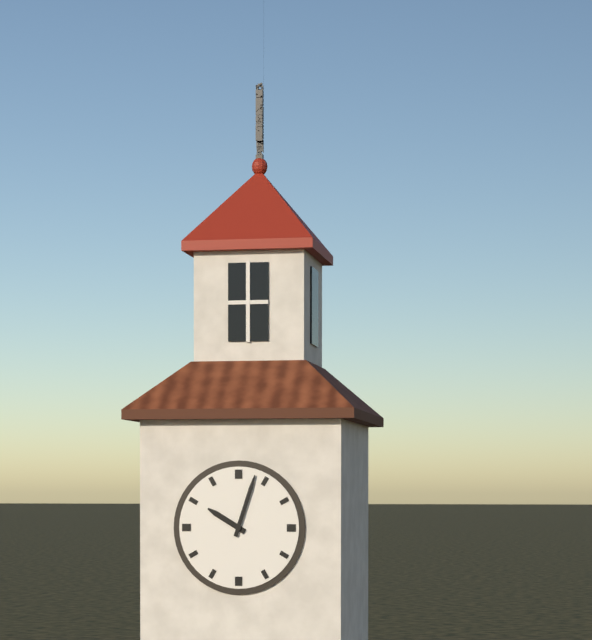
{"hour": 10, "minute": 3}
